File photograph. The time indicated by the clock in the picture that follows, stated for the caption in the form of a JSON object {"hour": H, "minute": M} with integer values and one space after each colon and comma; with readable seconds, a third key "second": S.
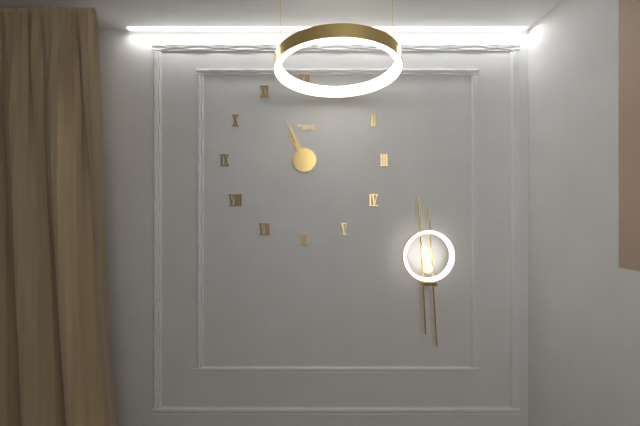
{"hour": 10, "minute": 56}
